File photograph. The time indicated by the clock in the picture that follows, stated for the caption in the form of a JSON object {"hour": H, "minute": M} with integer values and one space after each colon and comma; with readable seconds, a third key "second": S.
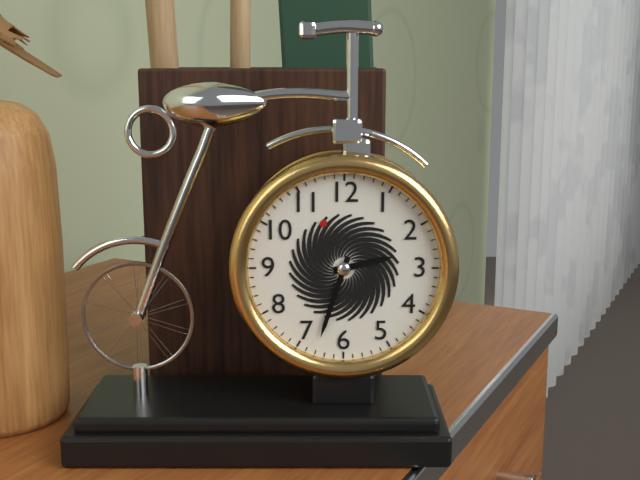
{"hour": 2, "minute": 33}
